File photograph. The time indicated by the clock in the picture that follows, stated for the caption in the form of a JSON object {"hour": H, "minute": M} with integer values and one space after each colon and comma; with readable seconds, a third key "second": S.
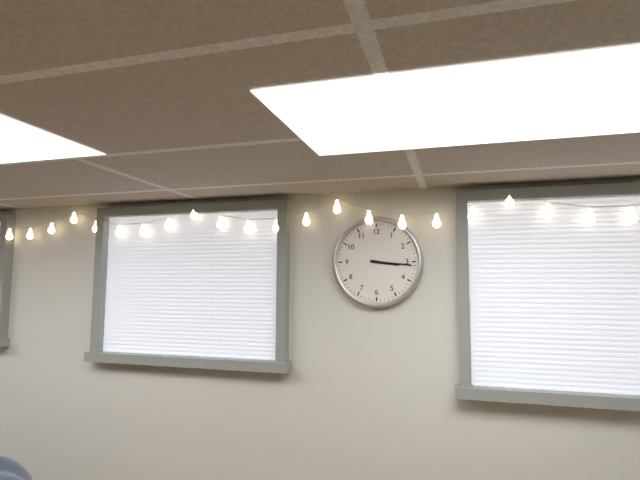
{"hour": 3, "minute": 16}
